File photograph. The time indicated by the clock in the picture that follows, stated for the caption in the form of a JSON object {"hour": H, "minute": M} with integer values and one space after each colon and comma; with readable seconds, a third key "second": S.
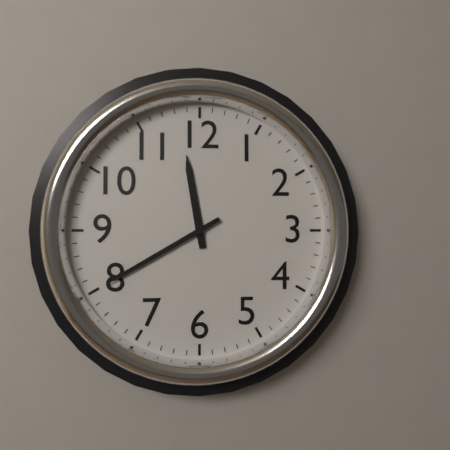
{"hour": 11, "minute": 40}
